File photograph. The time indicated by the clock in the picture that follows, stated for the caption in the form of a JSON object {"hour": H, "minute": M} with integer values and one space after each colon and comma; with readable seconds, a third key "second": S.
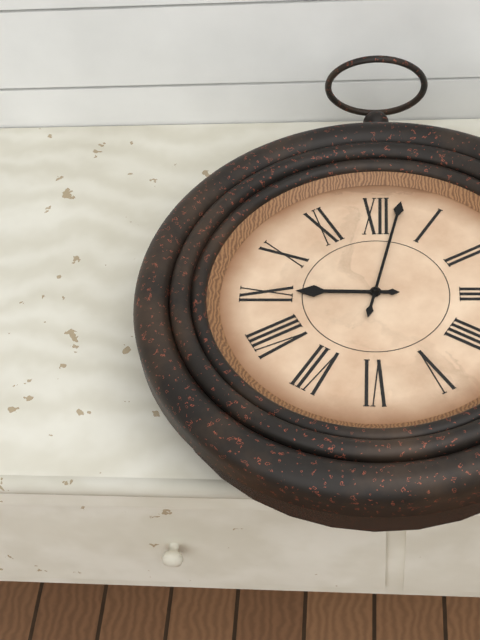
{"hour": 9, "minute": 2}
